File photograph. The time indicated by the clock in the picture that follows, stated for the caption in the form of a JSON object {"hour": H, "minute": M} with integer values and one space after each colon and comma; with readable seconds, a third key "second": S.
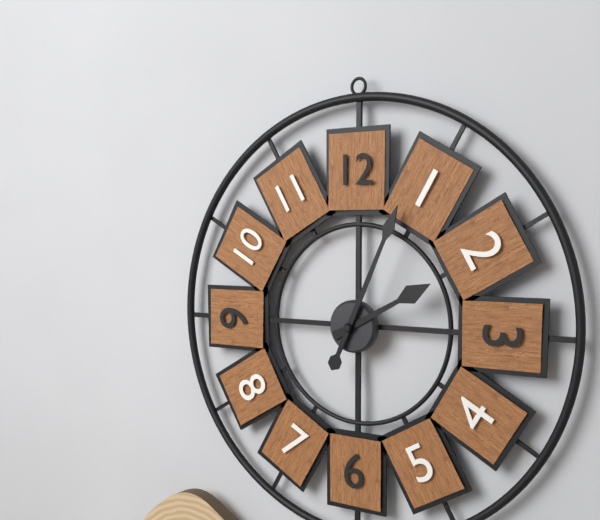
{"hour": 2, "minute": 4}
